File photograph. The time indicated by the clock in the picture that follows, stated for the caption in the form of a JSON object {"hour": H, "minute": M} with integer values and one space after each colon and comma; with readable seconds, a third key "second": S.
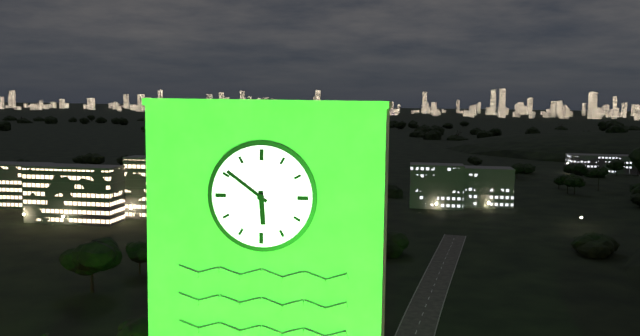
{"hour": 5, "minute": 51}
